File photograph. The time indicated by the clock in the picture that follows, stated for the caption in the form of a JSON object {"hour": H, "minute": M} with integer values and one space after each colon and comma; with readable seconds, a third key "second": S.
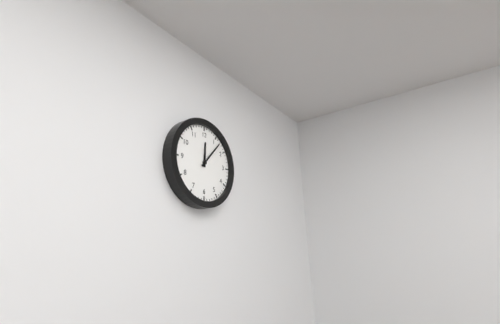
{"hour": 12, "minute": 7}
